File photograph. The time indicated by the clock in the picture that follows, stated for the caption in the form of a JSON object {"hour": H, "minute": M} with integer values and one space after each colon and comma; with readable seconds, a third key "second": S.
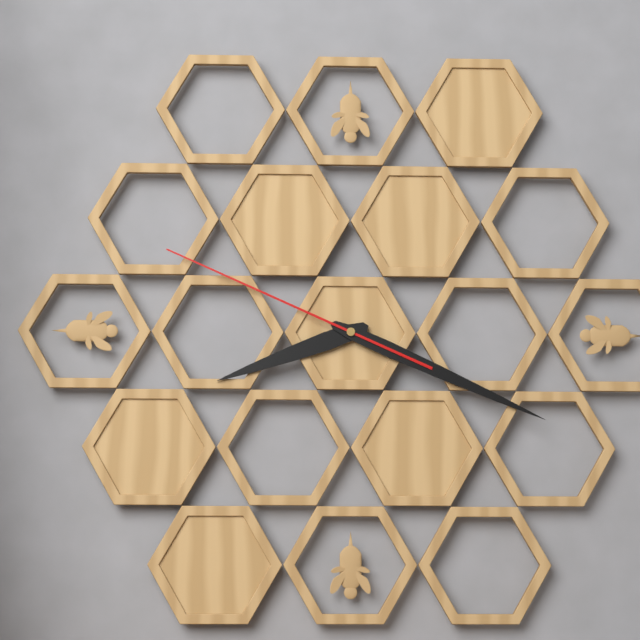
{"hour": 8, "minute": 19, "second": 49}
